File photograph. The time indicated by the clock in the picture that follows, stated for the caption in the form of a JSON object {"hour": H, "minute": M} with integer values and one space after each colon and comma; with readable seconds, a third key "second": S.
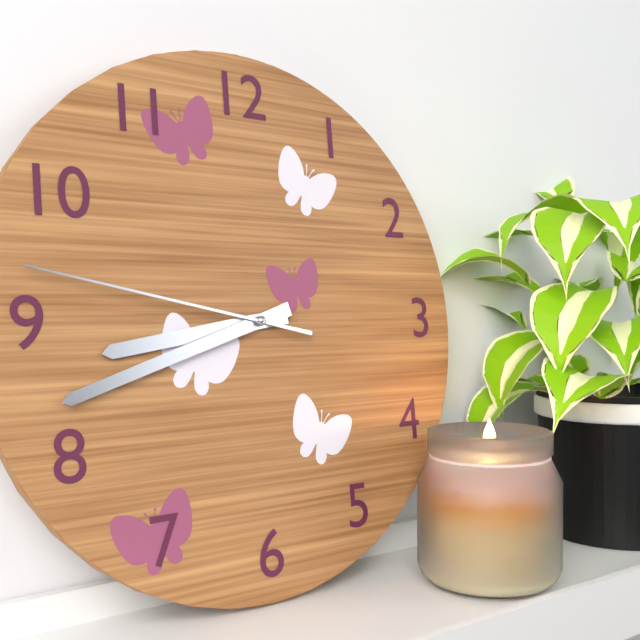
{"hour": 8, "minute": 42, "second": 47}
